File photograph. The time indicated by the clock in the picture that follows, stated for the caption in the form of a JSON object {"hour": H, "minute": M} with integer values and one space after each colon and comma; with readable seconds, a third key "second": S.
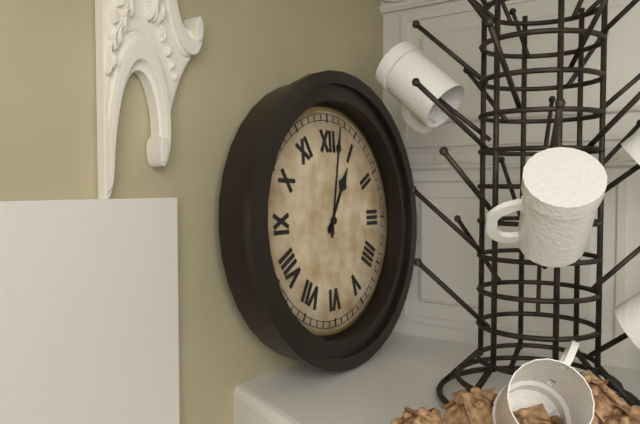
{"hour": 1, "minute": 2}
